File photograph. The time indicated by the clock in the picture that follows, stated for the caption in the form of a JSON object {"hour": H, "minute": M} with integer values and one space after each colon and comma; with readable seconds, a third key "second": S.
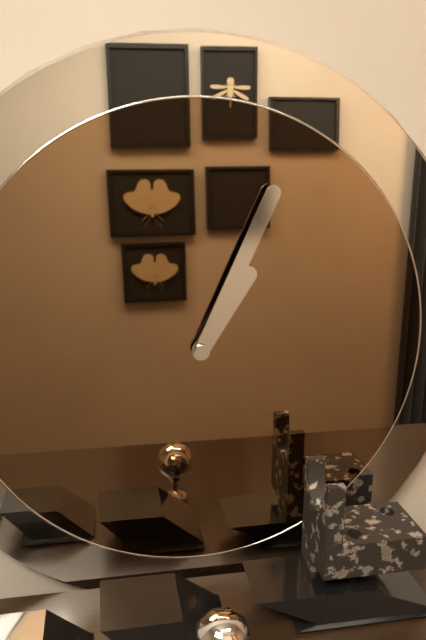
{"hour": 1, "minute": 4}
